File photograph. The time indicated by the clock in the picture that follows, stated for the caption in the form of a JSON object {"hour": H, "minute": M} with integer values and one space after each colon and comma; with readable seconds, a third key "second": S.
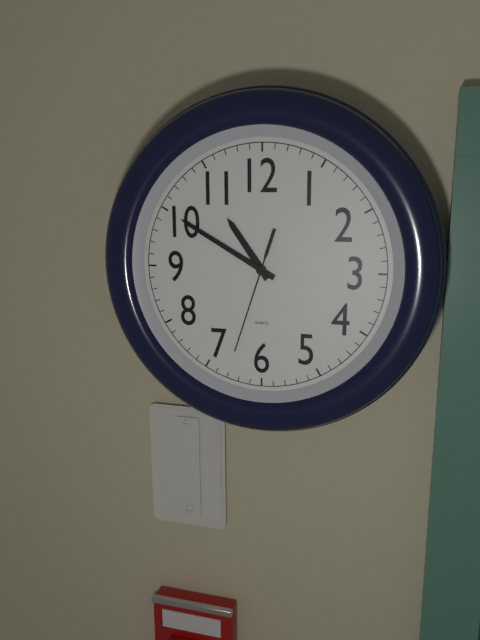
{"hour": 10, "minute": 50, "second": 33}
